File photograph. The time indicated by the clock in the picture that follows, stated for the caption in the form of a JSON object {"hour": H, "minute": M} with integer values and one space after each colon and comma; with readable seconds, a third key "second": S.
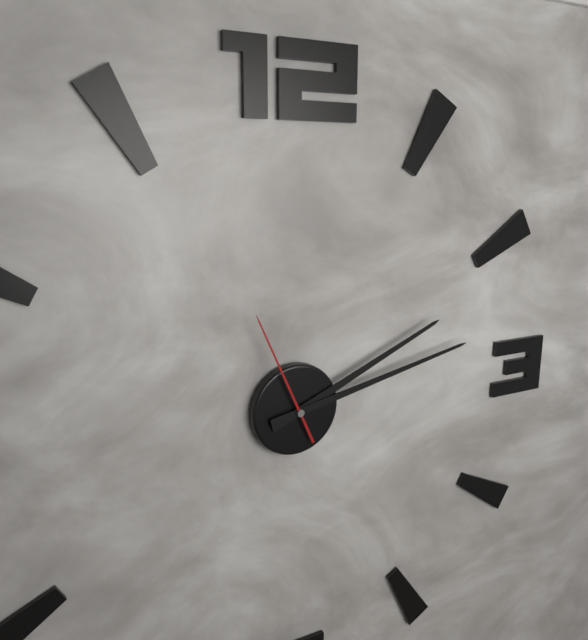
{"hour": 2, "minute": 13, "second": 56}
